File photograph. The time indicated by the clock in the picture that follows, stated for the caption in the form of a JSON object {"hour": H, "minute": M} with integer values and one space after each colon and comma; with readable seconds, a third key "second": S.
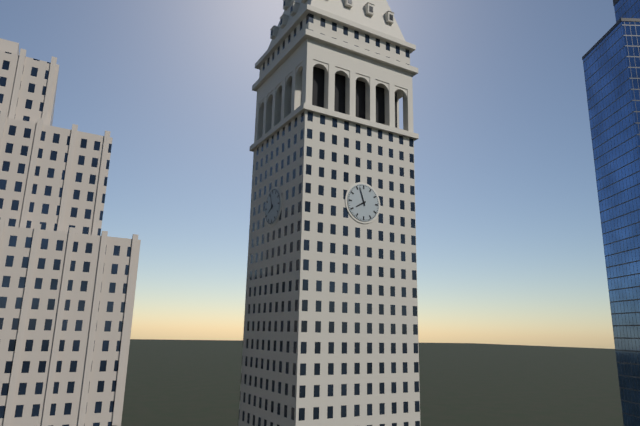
{"hour": 7, "minute": 57}
